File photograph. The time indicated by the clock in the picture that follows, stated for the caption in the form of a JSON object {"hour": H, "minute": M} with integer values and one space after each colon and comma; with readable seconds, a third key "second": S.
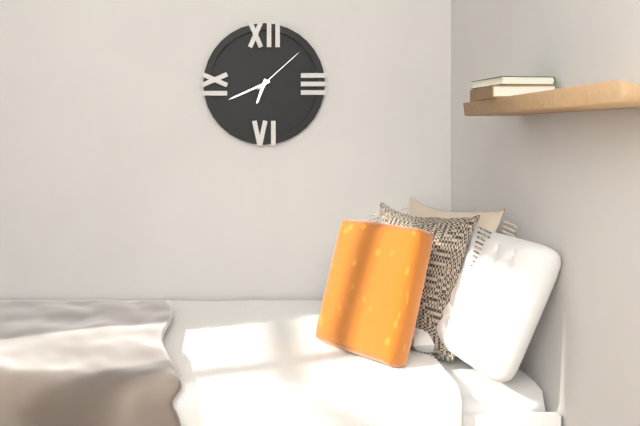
{"hour": 6, "minute": 41, "second": 8}
